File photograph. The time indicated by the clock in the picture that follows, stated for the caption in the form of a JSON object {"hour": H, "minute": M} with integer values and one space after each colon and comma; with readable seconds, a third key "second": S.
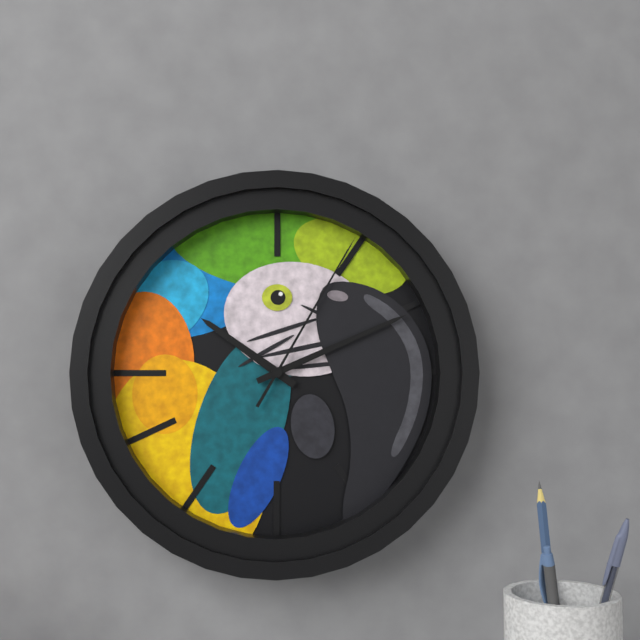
{"hour": 10, "minute": 11, "second": 5}
